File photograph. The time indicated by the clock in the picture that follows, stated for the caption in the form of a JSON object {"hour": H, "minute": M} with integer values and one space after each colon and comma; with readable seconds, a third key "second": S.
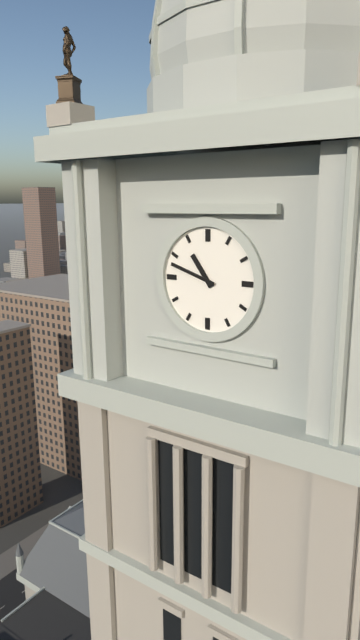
{"hour": 10, "minute": 48}
